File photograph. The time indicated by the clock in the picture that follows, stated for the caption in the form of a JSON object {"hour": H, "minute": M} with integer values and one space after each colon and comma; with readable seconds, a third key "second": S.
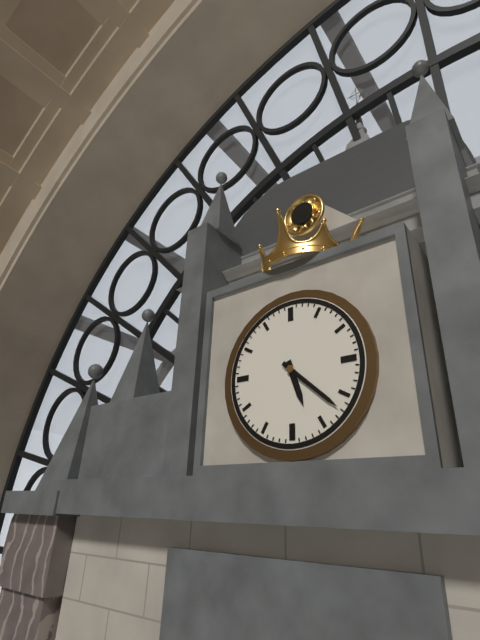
{"hour": 5, "minute": 22}
